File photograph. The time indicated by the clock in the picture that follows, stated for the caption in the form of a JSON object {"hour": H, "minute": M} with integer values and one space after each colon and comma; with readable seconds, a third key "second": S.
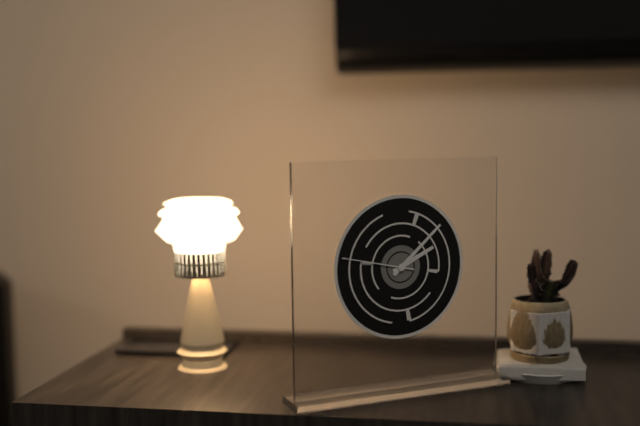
{"hour": 2, "minute": 8, "second": 47}
